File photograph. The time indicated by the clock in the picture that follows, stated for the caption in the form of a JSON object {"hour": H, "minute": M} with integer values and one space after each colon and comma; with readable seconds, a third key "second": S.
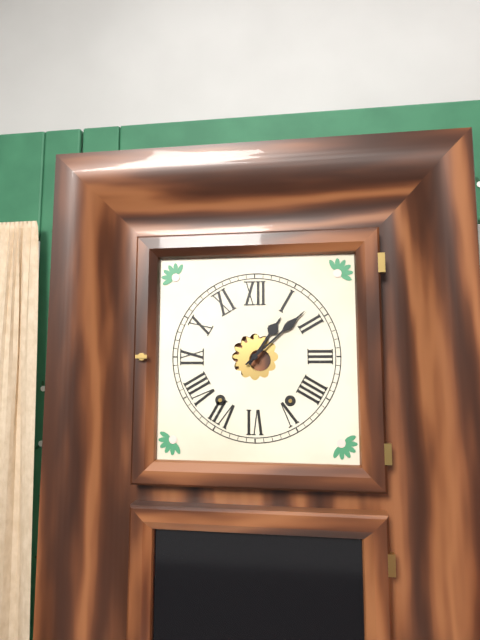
{"hour": 1, "minute": 8}
